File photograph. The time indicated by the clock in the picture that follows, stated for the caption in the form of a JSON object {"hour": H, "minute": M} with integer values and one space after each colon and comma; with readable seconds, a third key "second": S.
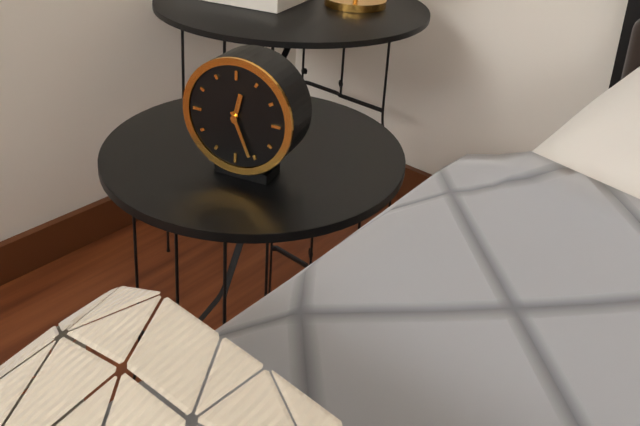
{"hour": 12, "minute": 26}
